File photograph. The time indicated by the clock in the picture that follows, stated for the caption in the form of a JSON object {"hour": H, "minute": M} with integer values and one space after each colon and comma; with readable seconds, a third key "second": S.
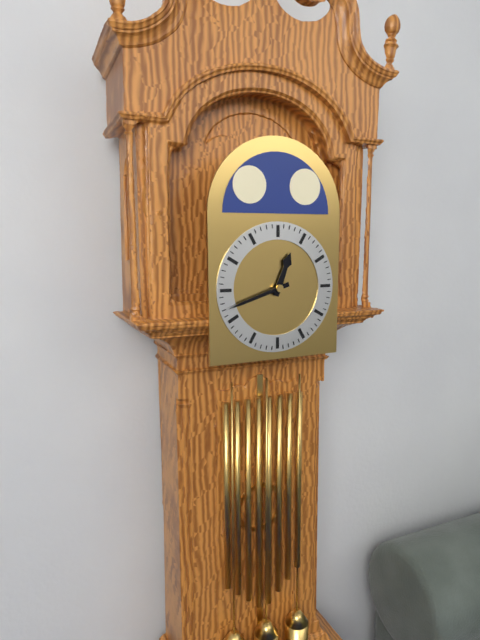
{"hour": 12, "minute": 42}
